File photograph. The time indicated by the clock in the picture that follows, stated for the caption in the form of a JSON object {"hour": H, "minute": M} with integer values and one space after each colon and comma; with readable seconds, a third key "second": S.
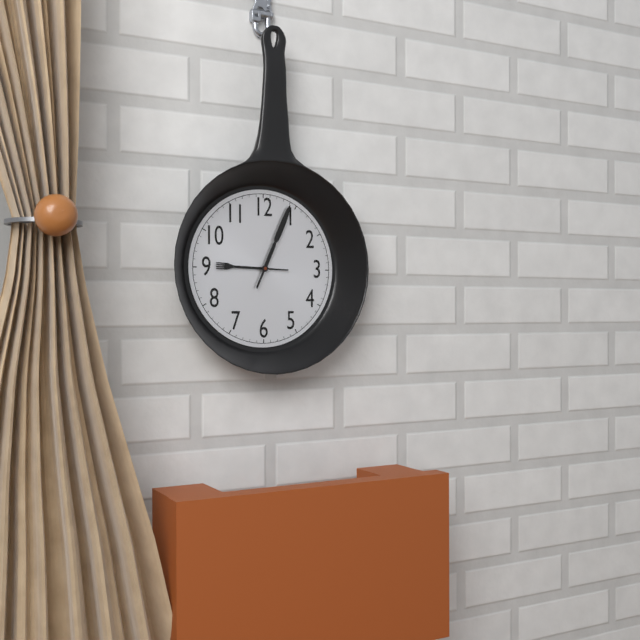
{"hour": 9, "minute": 4}
